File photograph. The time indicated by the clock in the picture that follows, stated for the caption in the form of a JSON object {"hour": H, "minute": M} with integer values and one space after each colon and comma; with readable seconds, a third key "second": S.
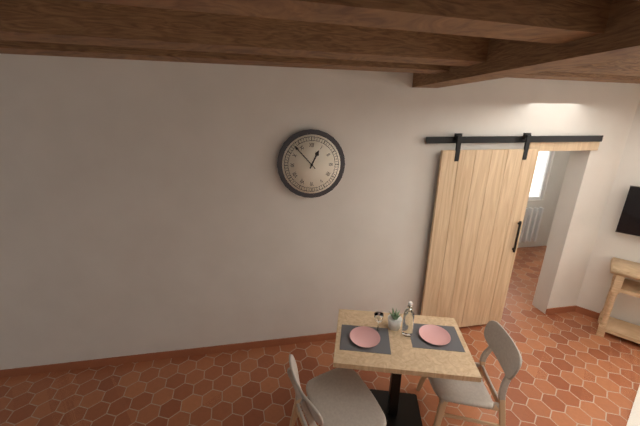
{"hour": 12, "minute": 53}
